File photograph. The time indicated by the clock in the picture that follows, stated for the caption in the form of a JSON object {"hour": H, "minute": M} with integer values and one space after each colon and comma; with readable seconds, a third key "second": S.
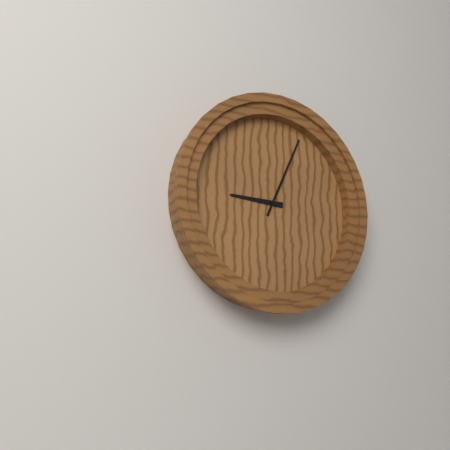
{"hour": 9, "minute": 4}
